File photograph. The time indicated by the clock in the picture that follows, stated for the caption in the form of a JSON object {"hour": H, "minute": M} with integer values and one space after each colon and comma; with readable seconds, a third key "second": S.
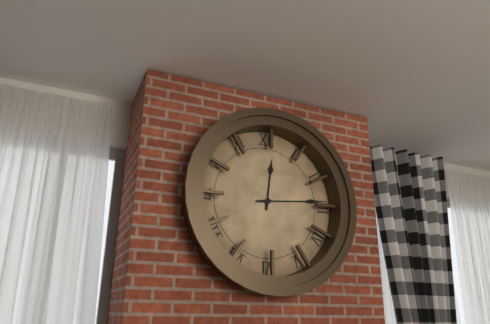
{"hour": 12, "minute": 14}
